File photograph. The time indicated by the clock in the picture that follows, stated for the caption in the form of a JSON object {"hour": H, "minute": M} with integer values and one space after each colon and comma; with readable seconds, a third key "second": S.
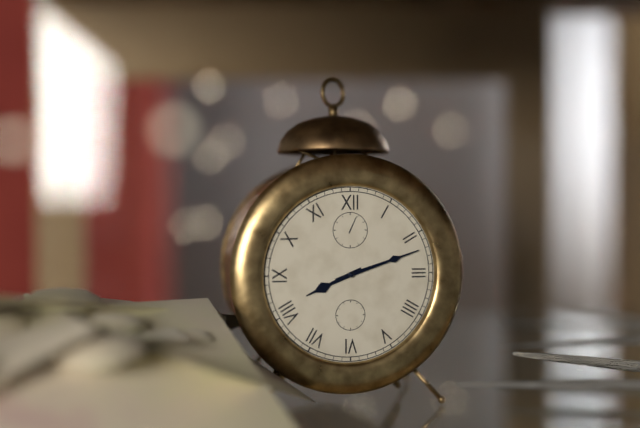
{"hour": 8, "minute": 12}
